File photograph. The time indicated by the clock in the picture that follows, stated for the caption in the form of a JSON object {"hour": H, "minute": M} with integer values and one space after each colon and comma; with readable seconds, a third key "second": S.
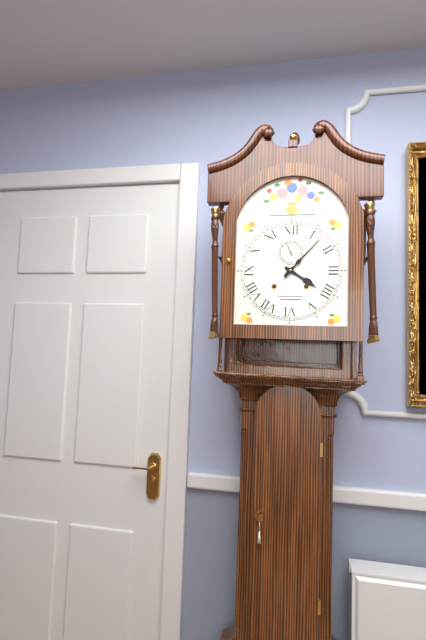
{"hour": 4, "minute": 7}
